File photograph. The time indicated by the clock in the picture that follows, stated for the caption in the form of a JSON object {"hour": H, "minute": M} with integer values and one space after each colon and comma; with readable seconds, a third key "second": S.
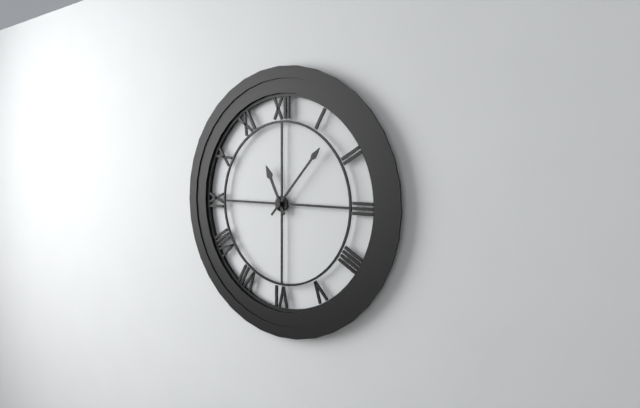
{"hour": 11, "minute": 7}
